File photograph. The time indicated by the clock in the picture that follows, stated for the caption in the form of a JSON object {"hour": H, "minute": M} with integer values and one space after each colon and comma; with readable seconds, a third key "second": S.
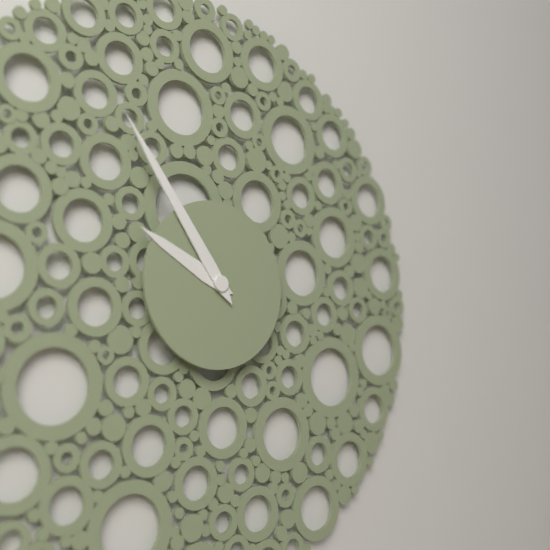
{"hour": 9, "minute": 54}
